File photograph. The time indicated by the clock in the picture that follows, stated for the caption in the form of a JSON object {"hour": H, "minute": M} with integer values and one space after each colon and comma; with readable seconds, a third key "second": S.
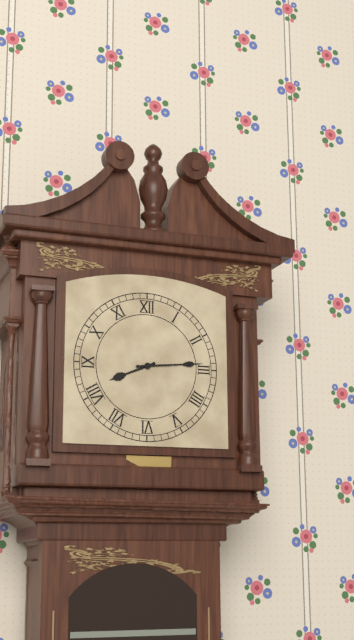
{"hour": 8, "minute": 14}
